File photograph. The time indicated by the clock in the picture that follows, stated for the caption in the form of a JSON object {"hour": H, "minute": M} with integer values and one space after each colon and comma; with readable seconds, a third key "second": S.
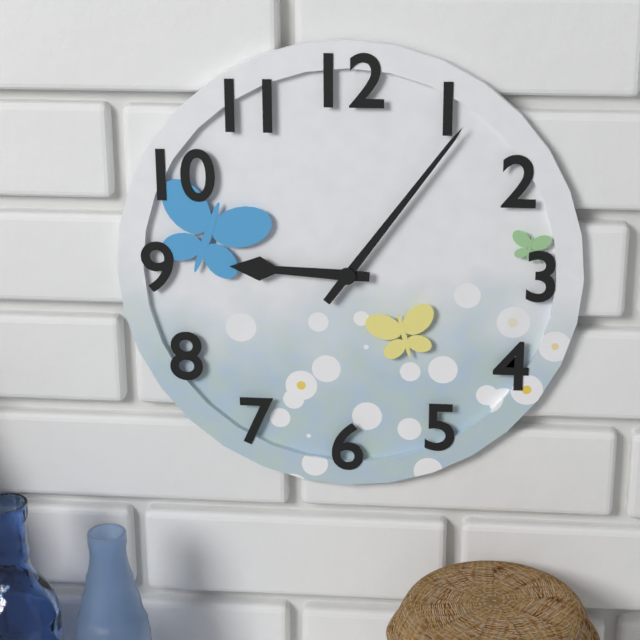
{"hour": 9, "minute": 6}
